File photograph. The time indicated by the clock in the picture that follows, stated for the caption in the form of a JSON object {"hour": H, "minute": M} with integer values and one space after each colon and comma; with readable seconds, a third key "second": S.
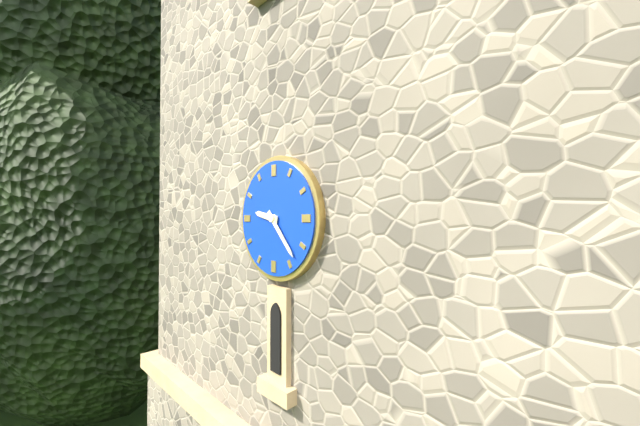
{"hour": 9, "minute": 23}
